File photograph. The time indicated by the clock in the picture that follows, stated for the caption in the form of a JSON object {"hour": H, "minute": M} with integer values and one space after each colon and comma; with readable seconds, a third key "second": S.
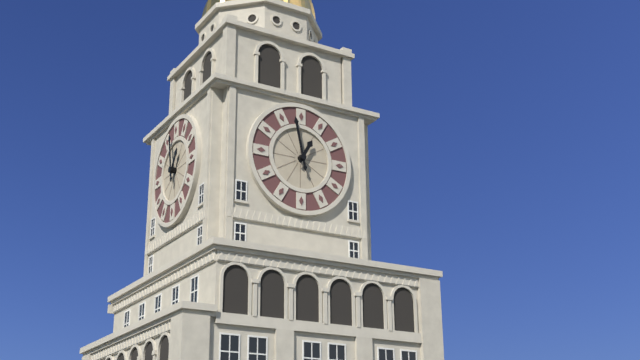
{"hour": 12, "minute": 58}
